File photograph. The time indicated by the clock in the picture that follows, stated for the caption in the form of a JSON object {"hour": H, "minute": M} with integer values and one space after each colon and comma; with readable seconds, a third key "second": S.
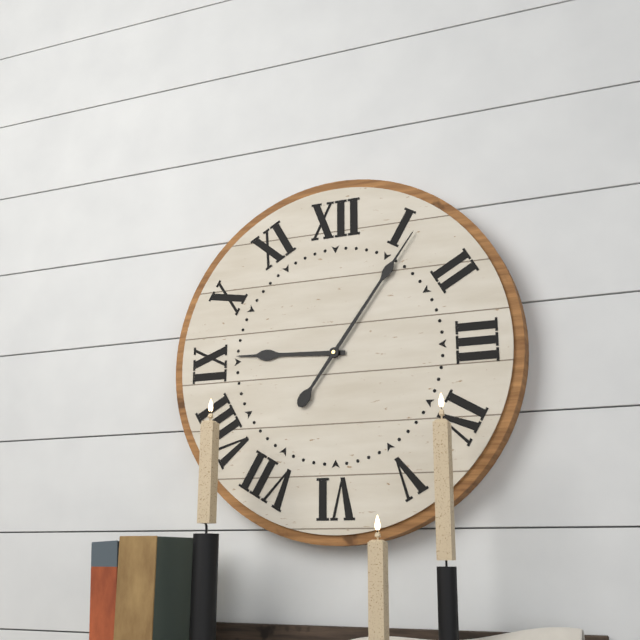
{"hour": 9, "minute": 6}
